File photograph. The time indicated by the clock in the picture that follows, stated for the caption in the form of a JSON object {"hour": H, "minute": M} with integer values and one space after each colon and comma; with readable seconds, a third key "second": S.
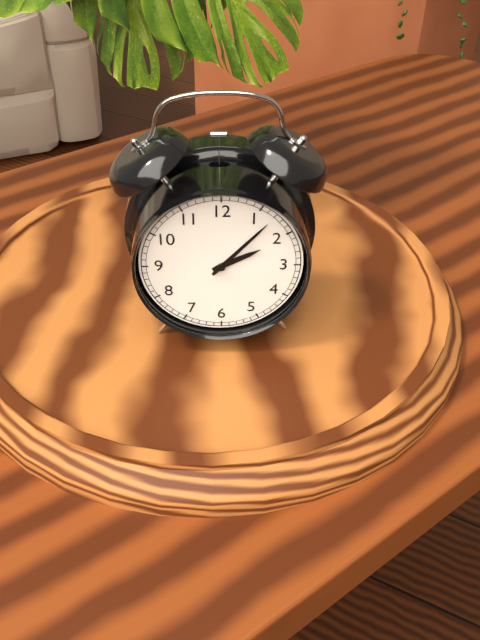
{"hour": 2, "minute": 7}
